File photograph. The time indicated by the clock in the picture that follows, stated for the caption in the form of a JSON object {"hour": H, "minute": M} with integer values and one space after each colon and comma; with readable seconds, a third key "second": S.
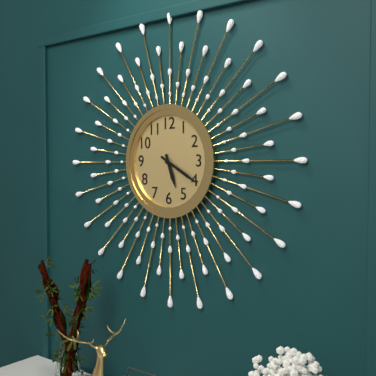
{"hour": 5, "minute": 20}
